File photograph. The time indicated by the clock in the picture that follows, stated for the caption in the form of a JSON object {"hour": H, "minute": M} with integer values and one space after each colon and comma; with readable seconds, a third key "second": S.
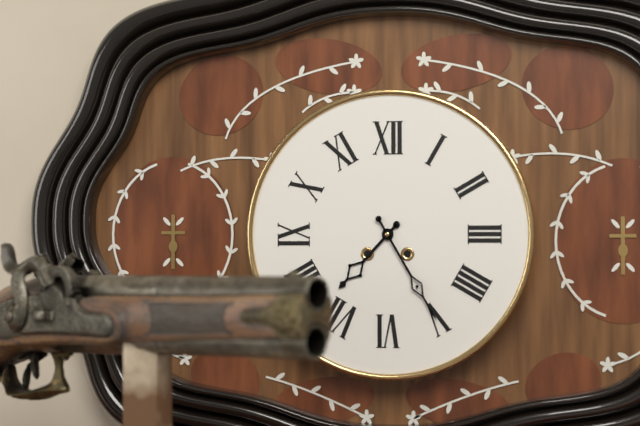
{"hour": 7, "minute": 25}
